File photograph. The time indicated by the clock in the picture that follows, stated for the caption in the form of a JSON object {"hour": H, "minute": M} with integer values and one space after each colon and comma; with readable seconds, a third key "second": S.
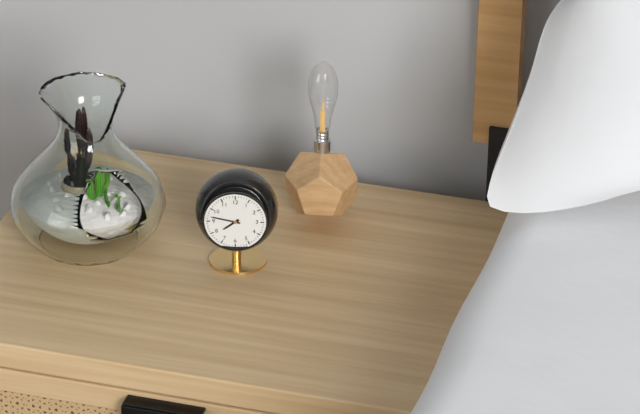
{"hour": 7, "minute": 47}
